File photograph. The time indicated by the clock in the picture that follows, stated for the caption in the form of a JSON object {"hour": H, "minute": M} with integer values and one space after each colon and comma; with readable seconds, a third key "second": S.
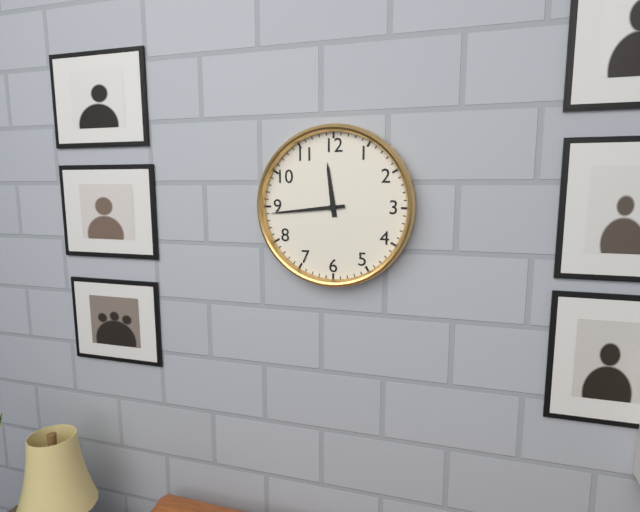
{"hour": 11, "minute": 44}
